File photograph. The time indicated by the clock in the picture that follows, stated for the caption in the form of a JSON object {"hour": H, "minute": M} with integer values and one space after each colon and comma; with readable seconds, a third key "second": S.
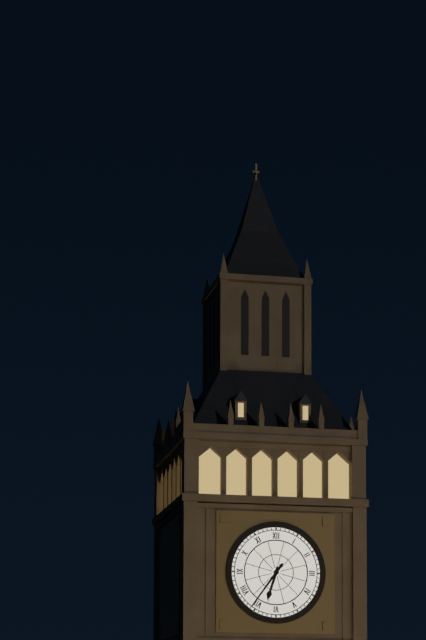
{"hour": 6, "minute": 36}
